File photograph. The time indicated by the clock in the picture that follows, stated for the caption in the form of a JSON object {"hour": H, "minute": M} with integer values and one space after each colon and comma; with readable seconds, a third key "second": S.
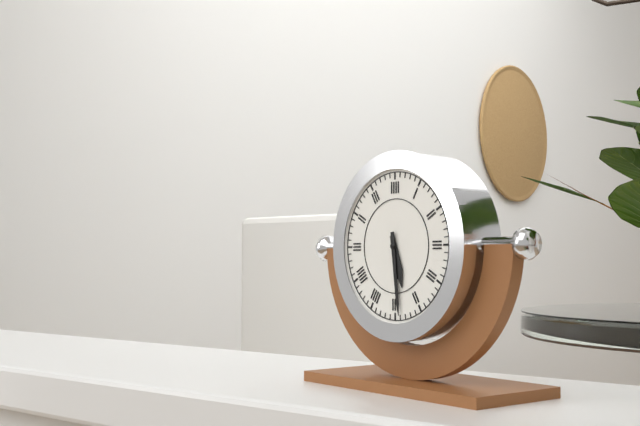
{"hour": 5, "minute": 29}
